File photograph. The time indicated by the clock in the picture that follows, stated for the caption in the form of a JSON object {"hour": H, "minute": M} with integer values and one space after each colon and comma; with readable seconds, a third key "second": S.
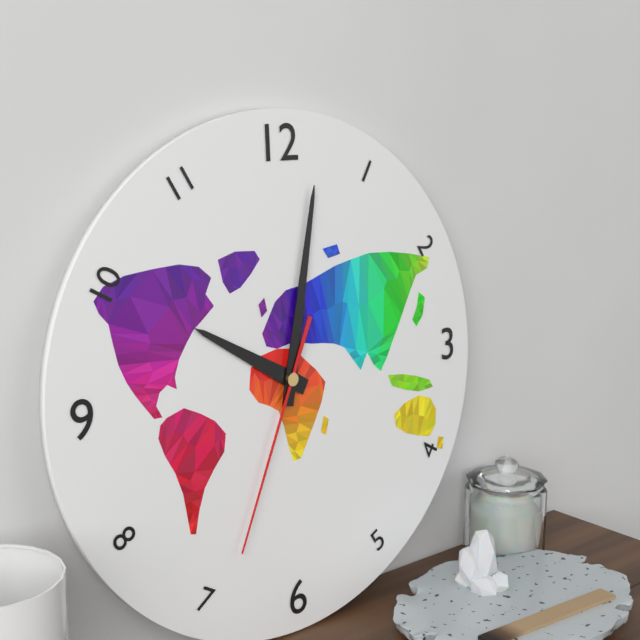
{"hour": 10, "minute": 2, "second": 34}
